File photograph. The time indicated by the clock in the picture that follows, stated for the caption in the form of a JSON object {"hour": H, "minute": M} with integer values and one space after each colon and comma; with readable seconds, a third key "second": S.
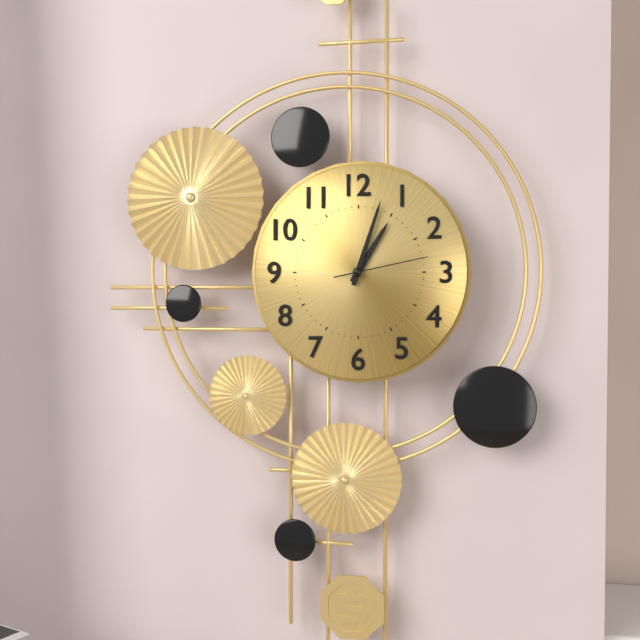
{"hour": 1, "minute": 3, "second": 13}
